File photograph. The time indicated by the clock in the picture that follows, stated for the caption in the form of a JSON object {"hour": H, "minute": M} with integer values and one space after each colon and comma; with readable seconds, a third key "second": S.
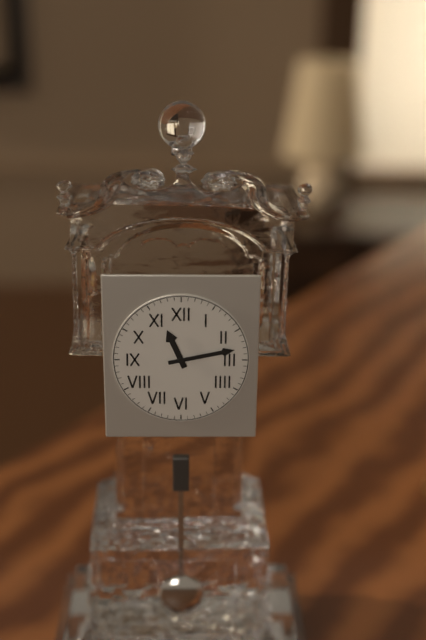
{"hour": 11, "minute": 13}
